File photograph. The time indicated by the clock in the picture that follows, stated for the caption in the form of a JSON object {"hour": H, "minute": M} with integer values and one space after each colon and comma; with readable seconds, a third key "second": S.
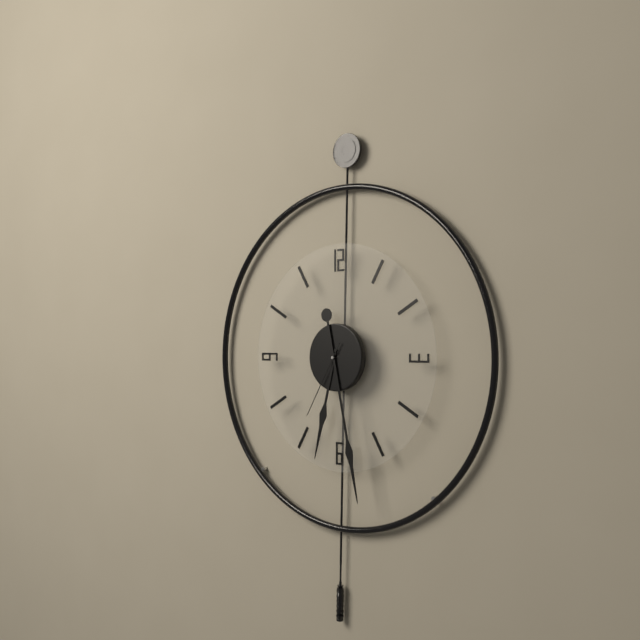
{"hour": 6, "minute": 28, "second": 35}
